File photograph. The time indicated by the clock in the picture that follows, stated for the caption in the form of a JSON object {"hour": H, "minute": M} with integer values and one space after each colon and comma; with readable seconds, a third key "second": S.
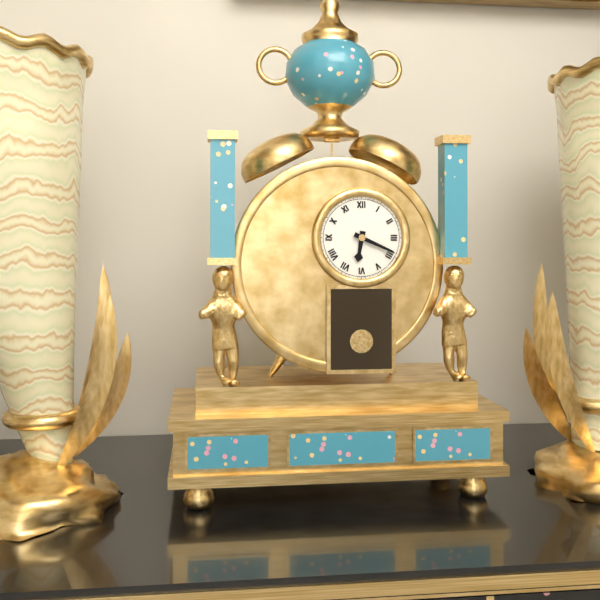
{"hour": 6, "minute": 19}
